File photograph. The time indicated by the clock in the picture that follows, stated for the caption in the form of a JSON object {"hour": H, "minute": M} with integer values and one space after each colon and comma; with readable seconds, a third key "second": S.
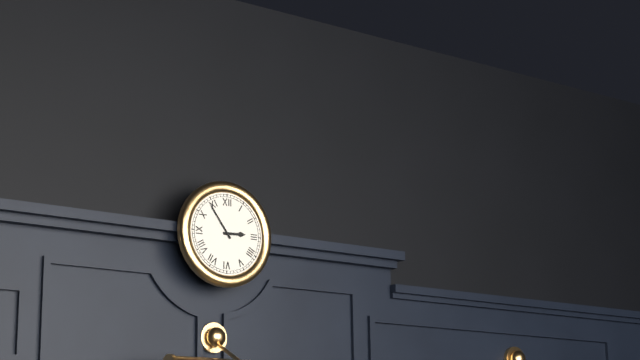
{"hour": 2, "minute": 54}
